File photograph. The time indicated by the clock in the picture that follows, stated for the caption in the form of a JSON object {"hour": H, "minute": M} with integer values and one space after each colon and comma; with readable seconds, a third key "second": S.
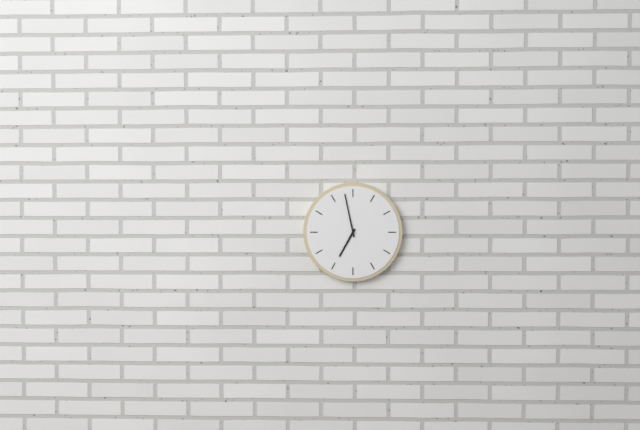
{"hour": 6, "minute": 58}
